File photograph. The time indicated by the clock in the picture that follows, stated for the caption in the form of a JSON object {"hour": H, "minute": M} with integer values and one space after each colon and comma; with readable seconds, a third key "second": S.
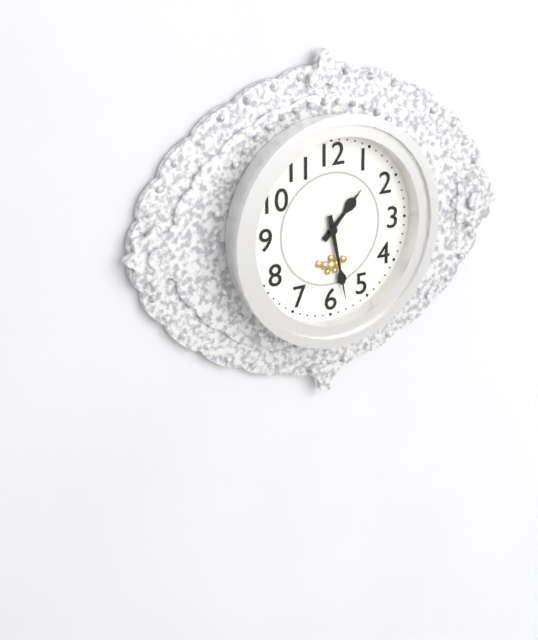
{"hour": 1, "minute": 28}
